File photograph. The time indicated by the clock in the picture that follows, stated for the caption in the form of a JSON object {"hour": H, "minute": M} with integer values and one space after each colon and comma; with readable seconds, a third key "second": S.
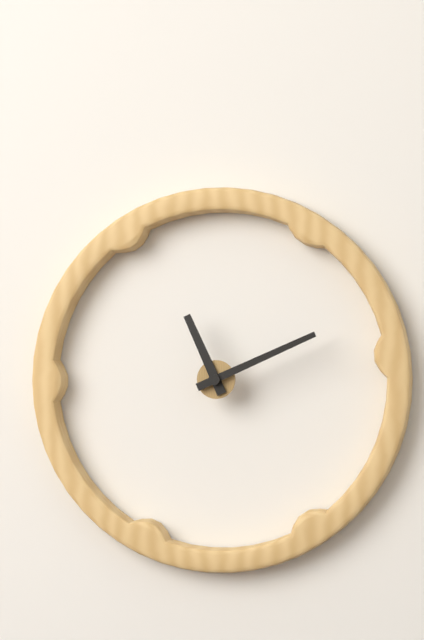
{"hour": 11, "minute": 11}
